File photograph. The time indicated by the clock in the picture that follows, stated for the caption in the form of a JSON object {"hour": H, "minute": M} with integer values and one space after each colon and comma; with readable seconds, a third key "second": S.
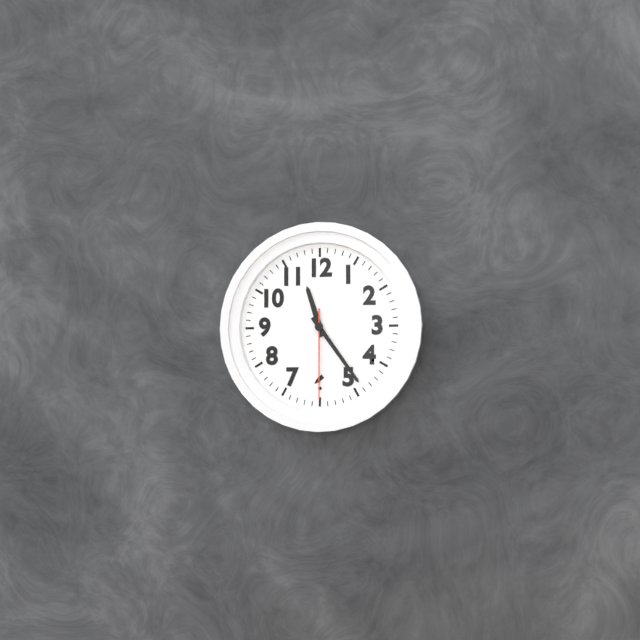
{"hour": 11, "minute": 24, "second": 30}
